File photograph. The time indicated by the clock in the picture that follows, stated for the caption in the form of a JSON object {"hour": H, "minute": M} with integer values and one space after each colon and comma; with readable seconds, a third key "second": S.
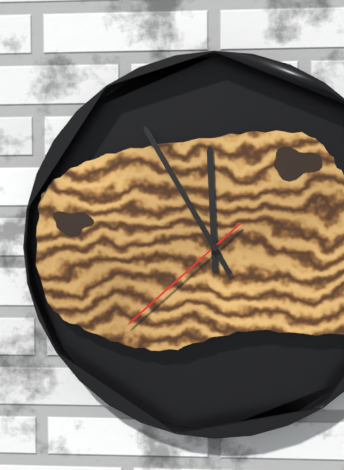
{"hour": 11, "minute": 55, "second": 38}
